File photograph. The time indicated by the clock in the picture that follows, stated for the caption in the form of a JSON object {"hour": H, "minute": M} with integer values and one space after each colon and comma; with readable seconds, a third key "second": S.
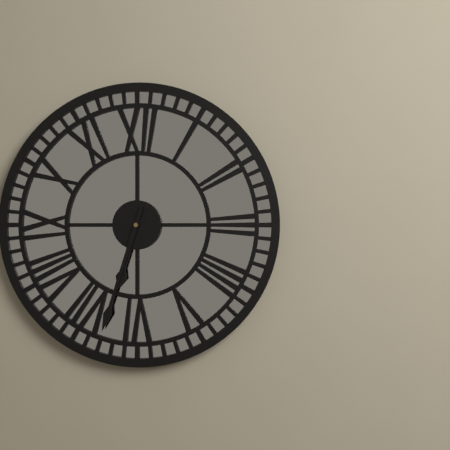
{"hour": 6, "minute": 33}
